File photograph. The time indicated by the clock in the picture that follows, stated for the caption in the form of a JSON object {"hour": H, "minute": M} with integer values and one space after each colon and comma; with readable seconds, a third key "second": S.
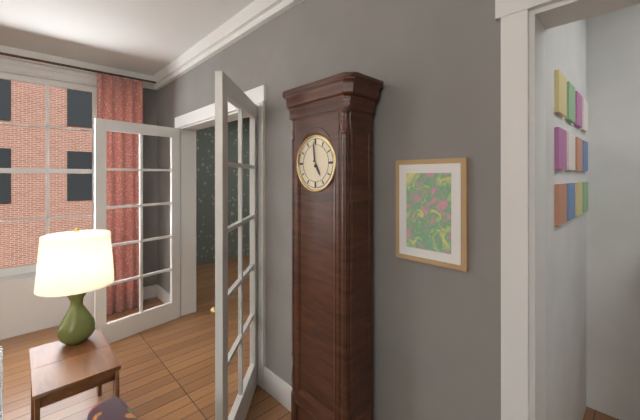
{"hour": 4, "minute": 59}
